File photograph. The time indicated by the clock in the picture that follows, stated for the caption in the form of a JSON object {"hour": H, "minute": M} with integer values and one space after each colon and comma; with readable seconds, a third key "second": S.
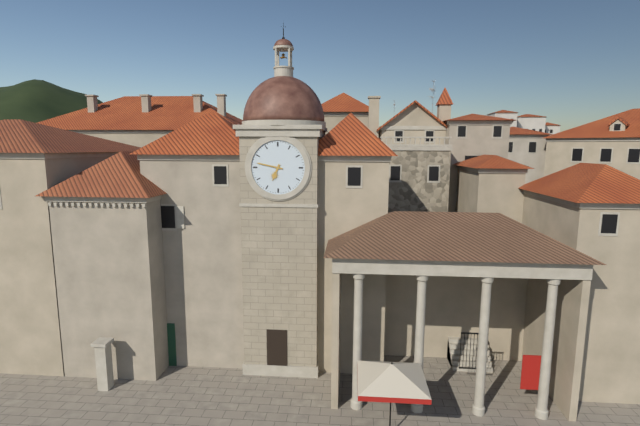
{"hour": 6, "minute": 47}
